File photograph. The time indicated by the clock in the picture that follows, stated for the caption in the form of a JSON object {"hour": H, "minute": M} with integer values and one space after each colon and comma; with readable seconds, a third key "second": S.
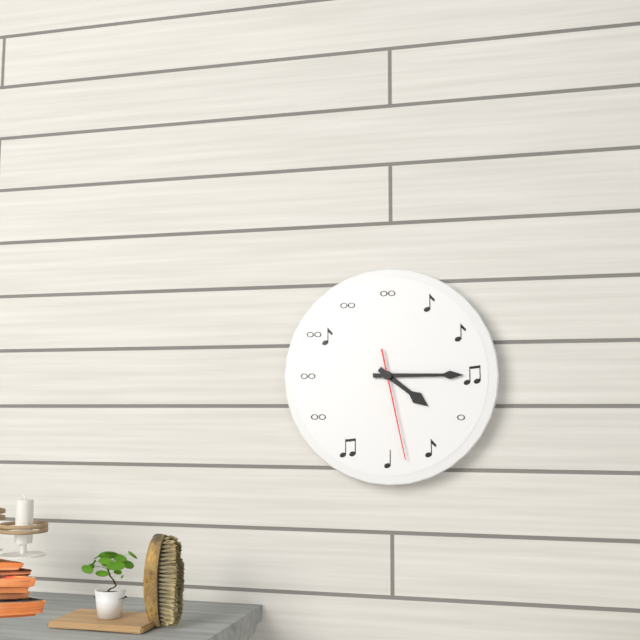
{"hour": 4, "minute": 15, "second": 28}
